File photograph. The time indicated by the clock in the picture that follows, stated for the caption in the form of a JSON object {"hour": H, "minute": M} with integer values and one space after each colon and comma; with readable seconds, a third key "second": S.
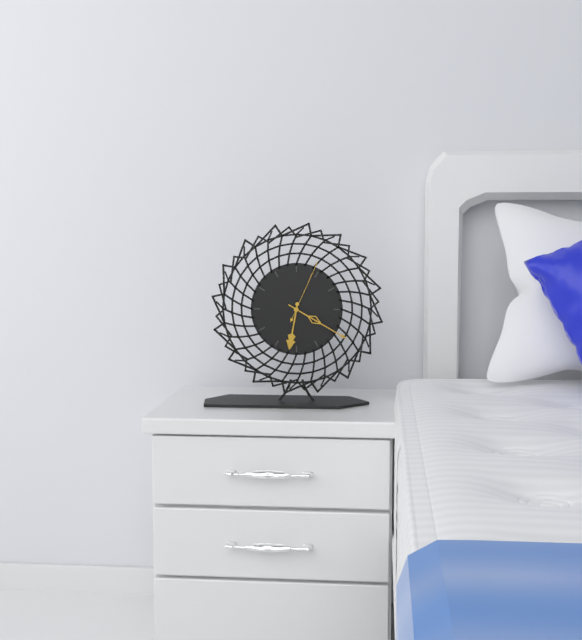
{"hour": 6, "minute": 20, "second": 4}
